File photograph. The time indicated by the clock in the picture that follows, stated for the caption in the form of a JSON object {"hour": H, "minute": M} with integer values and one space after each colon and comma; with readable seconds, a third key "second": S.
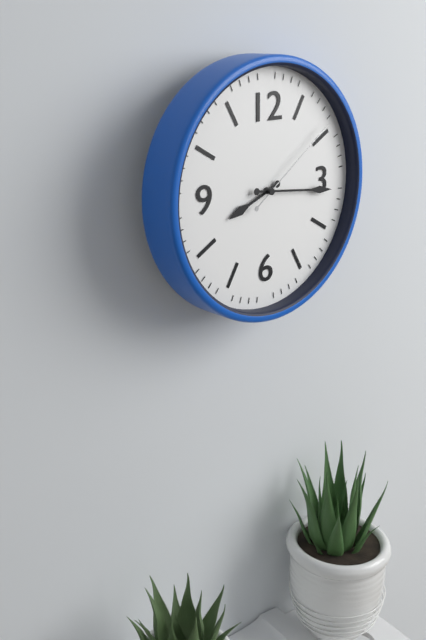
{"hour": 8, "minute": 16, "second": 9}
